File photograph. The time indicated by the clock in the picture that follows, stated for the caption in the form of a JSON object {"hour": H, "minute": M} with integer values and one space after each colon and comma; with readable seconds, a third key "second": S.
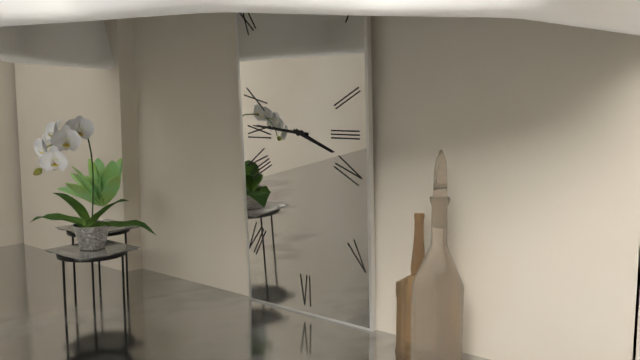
{"hour": 3, "minute": 46}
